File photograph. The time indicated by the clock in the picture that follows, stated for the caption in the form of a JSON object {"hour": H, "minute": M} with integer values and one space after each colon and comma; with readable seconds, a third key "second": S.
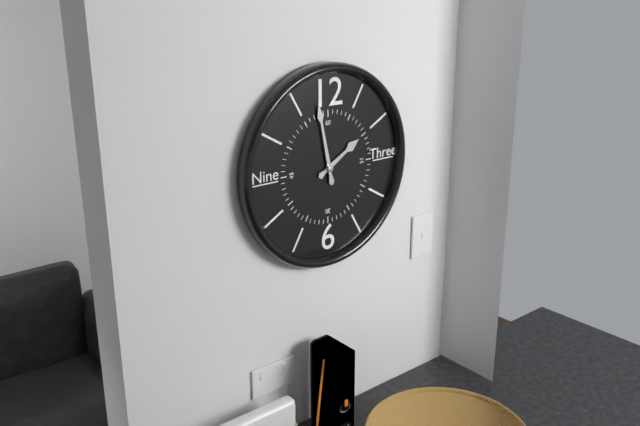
{"hour": 1, "minute": 58}
